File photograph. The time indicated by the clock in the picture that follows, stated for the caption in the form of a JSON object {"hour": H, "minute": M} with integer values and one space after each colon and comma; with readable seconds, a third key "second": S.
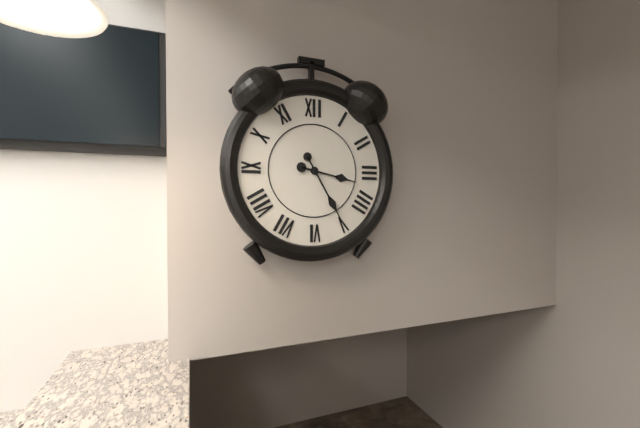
{"hour": 3, "minute": 25}
